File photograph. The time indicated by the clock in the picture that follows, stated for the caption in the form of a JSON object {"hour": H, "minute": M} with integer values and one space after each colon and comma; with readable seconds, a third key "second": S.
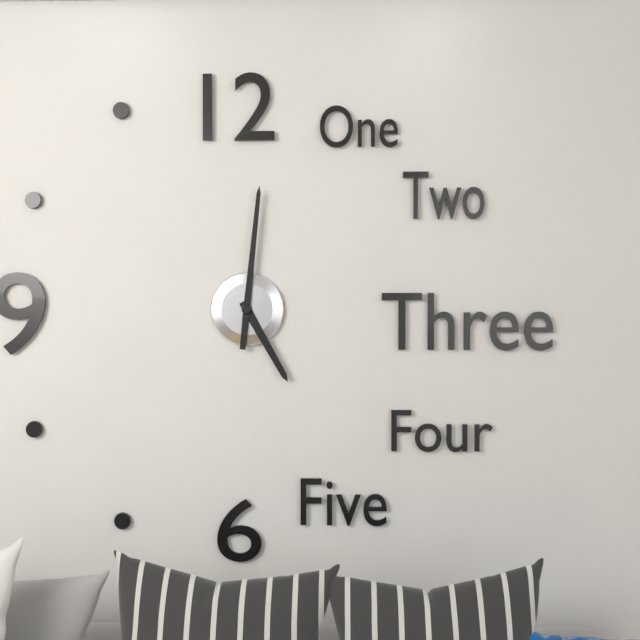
{"hour": 5, "minute": 1}
